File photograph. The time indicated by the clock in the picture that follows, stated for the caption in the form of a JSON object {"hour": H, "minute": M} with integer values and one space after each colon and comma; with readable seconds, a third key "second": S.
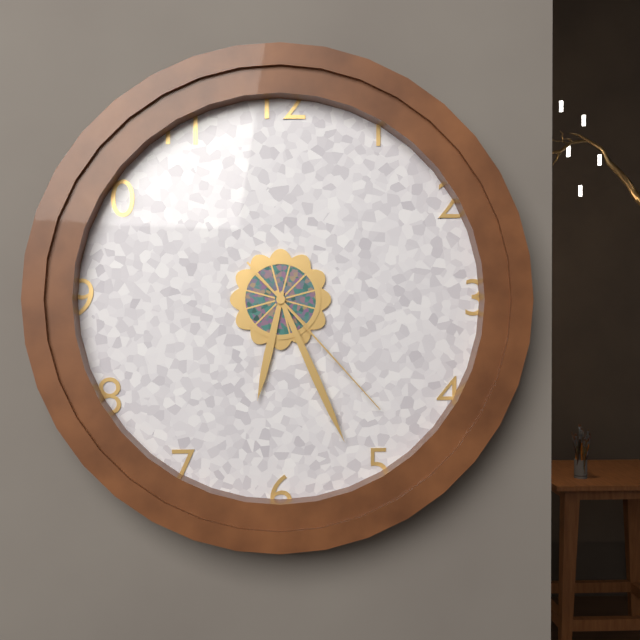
{"hour": 6, "minute": 26, "second": 23}
